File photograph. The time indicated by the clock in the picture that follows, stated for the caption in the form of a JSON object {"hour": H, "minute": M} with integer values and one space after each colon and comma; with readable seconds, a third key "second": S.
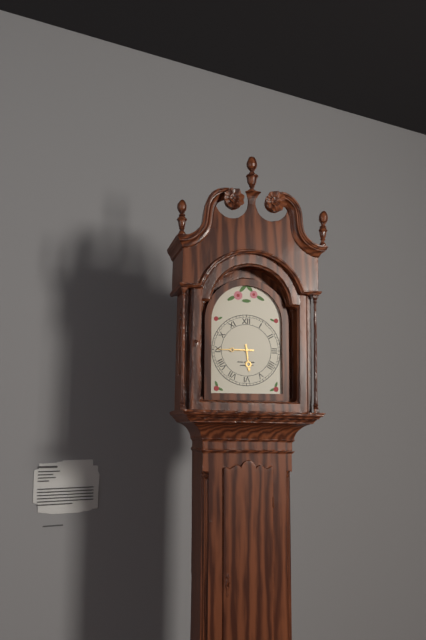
{"hour": 5, "minute": 45}
